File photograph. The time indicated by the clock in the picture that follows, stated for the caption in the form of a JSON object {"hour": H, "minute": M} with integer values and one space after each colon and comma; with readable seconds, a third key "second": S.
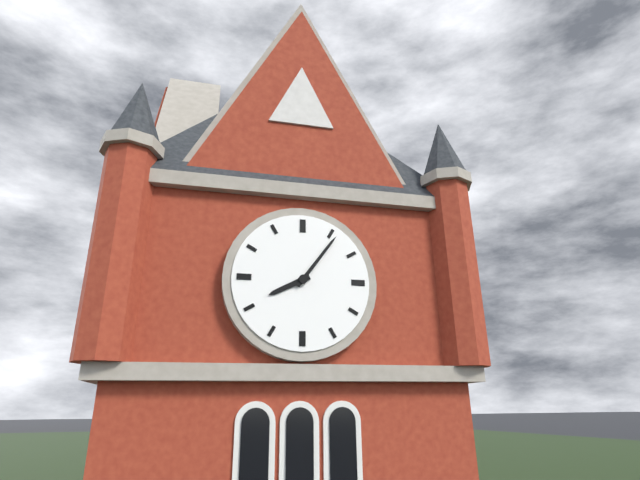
{"hour": 8, "minute": 6}
